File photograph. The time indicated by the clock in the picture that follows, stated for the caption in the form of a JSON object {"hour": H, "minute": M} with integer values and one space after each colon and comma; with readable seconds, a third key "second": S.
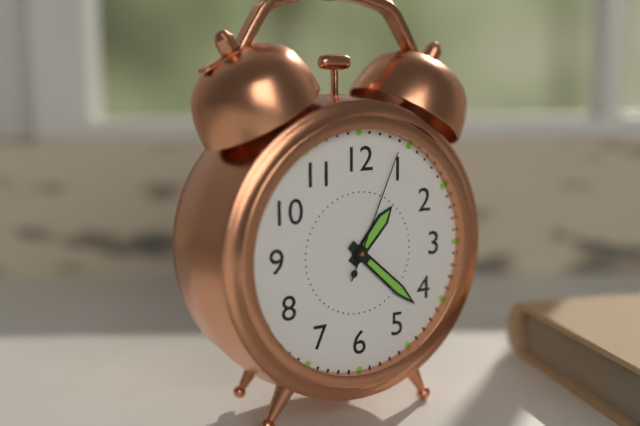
{"hour": 1, "minute": 22, "second": 4}
